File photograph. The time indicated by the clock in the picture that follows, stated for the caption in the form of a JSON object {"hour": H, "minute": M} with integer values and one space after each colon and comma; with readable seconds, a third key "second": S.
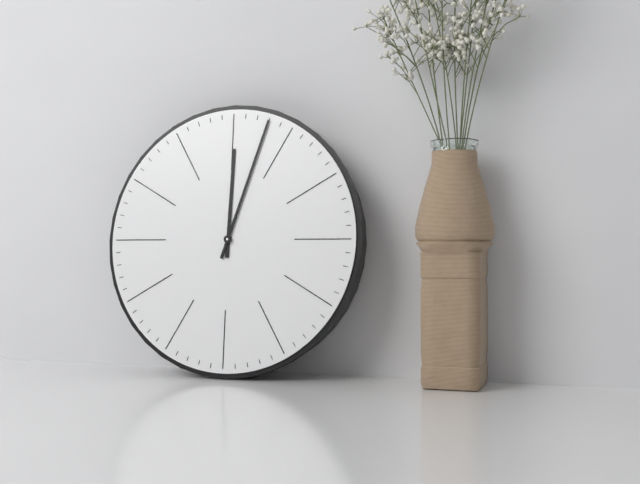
{"hour": 12, "minute": 3}
